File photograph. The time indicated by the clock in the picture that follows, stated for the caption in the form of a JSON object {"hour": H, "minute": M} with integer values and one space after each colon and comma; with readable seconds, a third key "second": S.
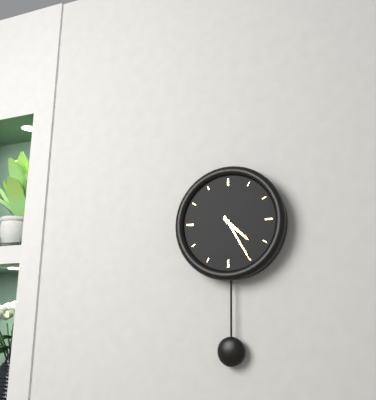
{"hour": 4, "minute": 25}
